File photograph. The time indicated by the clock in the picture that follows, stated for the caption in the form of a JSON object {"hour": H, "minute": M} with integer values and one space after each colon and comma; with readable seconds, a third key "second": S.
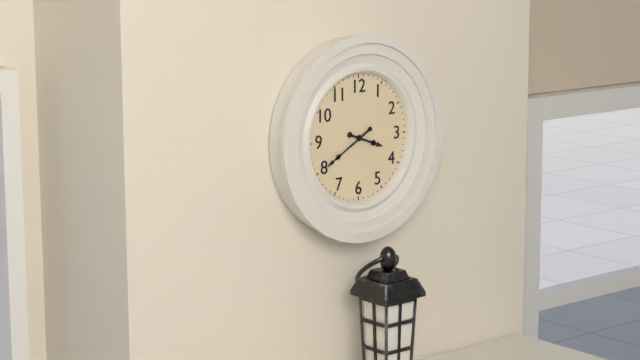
{"hour": 3, "minute": 40}
